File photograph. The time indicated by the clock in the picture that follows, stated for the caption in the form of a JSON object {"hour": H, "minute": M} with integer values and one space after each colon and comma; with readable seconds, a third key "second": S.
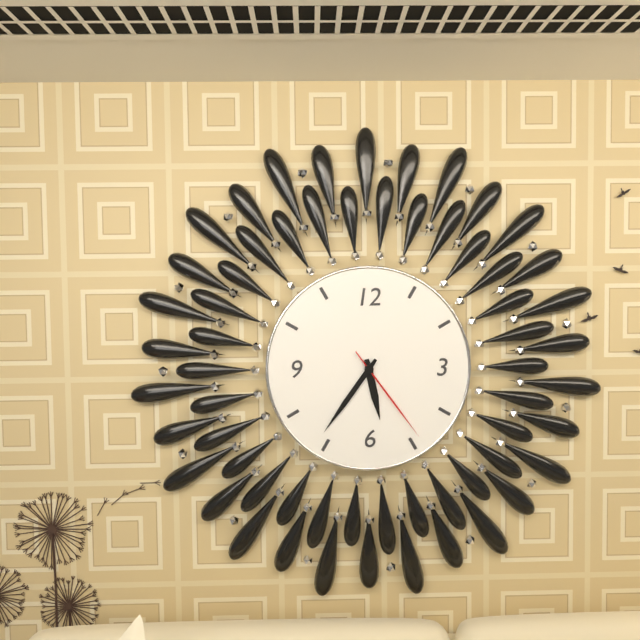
{"hour": 5, "minute": 36, "second": 24}
